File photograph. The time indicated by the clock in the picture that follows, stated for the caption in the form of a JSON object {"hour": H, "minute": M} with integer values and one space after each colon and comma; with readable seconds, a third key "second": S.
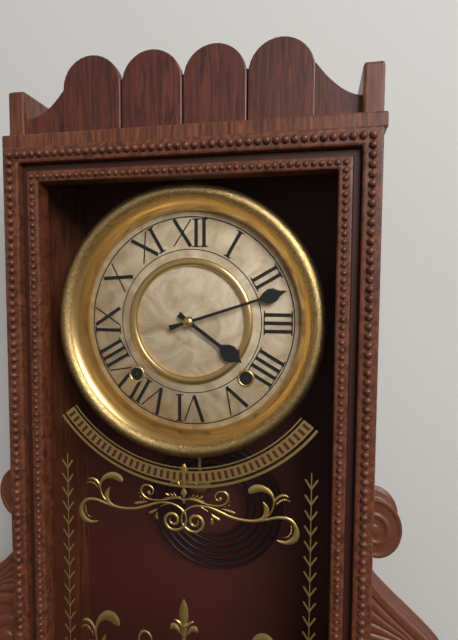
{"hour": 4, "minute": 12}
